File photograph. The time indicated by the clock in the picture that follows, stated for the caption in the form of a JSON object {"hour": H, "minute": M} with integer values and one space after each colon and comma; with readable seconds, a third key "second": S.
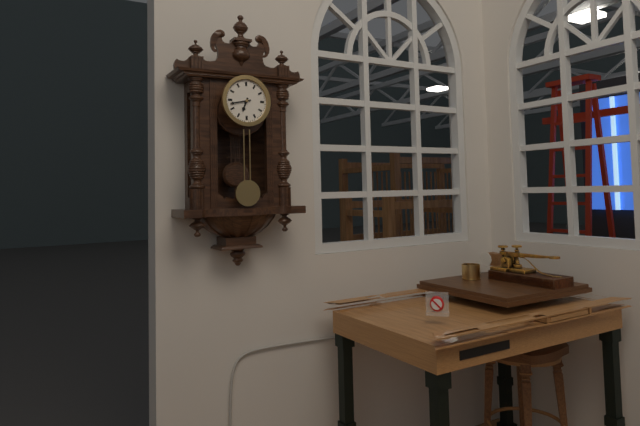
{"hour": 6, "minute": 43}
